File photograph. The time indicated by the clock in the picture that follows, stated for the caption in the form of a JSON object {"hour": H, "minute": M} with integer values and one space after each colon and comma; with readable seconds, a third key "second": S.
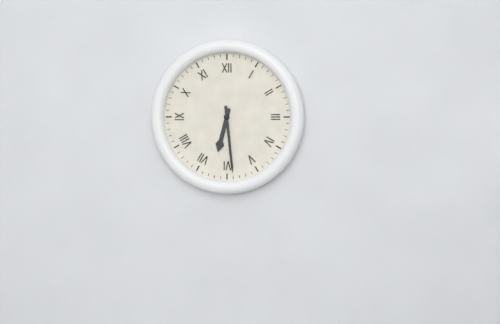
{"hour": 6, "minute": 29}
